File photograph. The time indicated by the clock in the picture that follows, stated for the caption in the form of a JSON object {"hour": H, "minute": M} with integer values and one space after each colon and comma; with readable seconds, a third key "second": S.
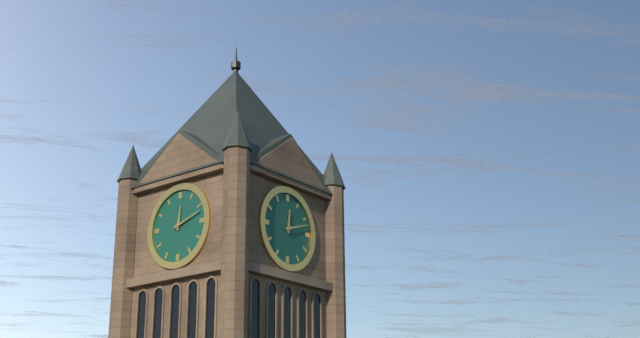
{"hour": 12, "minute": 12}
